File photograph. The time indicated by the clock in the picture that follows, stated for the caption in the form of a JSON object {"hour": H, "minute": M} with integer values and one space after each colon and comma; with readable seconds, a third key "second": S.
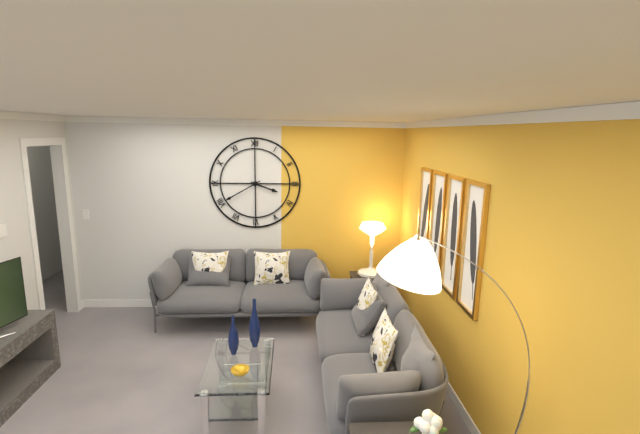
{"hour": 3, "minute": 40}
